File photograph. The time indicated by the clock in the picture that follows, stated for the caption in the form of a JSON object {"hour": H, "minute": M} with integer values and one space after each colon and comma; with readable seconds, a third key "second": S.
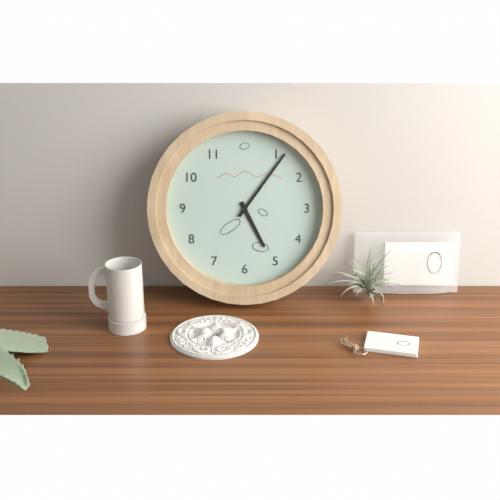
{"hour": 5, "minute": 6}
